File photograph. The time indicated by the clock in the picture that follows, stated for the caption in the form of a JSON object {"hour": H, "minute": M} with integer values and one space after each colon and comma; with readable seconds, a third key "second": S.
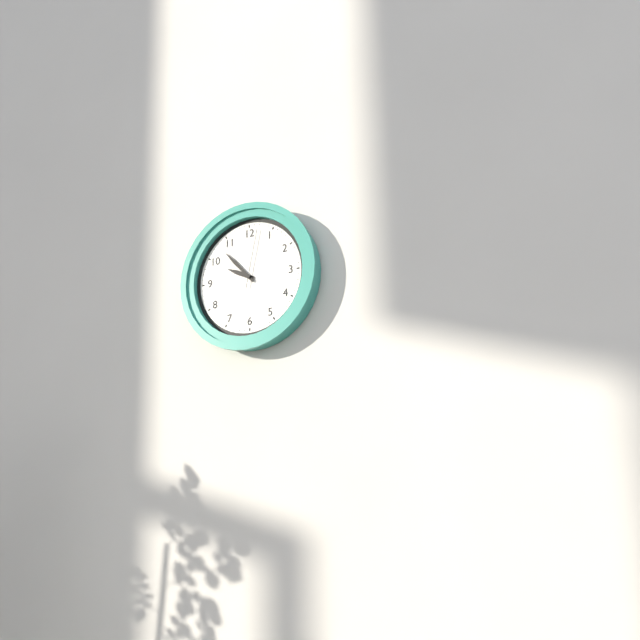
{"hour": 9, "minute": 53, "second": 2}
